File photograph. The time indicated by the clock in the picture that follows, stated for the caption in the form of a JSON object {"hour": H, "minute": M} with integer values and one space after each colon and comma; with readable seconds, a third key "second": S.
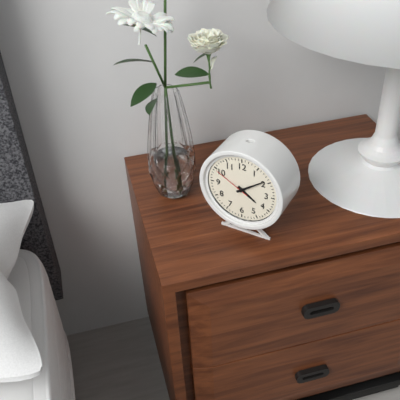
{"hour": 4, "minute": 9}
